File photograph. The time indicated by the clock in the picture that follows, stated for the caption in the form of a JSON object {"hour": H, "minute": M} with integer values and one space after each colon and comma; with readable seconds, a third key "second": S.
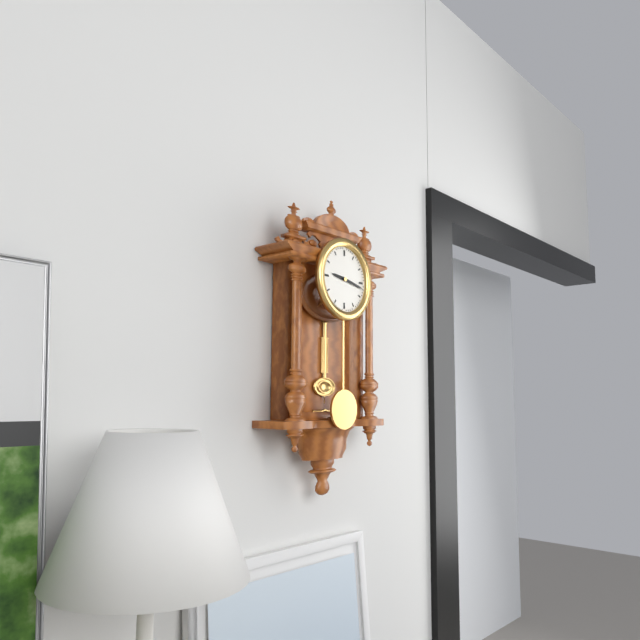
{"hour": 9, "minute": 17}
